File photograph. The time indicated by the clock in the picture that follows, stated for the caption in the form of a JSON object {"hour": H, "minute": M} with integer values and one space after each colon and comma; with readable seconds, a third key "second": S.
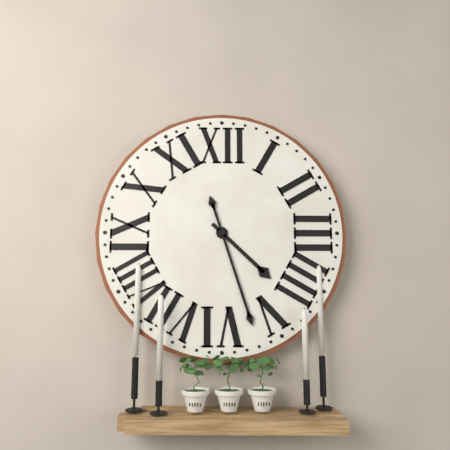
{"hour": 4, "minute": 27}
